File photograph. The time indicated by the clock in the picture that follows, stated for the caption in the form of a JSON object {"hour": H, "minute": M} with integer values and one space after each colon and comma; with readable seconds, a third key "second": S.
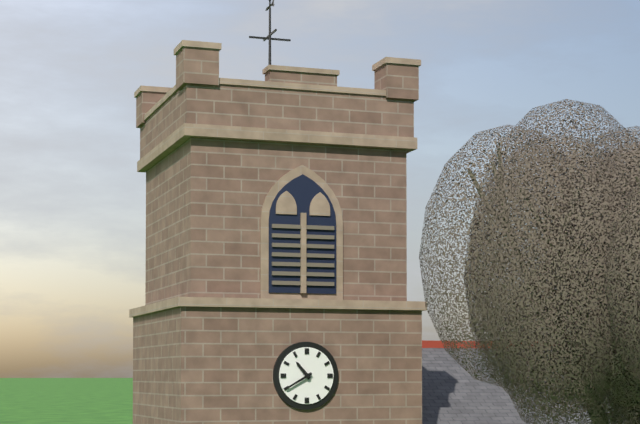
{"hour": 10, "minute": 40}
